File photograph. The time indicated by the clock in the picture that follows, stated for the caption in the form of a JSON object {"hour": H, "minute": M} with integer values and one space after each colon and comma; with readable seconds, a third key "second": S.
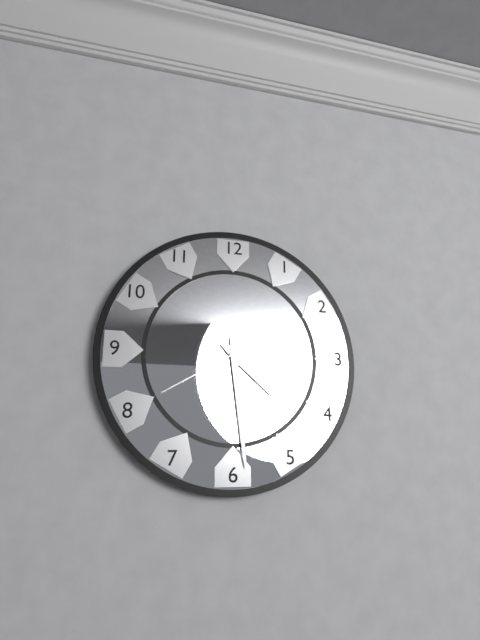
{"hour": 4, "minute": 29, "second": 40}
